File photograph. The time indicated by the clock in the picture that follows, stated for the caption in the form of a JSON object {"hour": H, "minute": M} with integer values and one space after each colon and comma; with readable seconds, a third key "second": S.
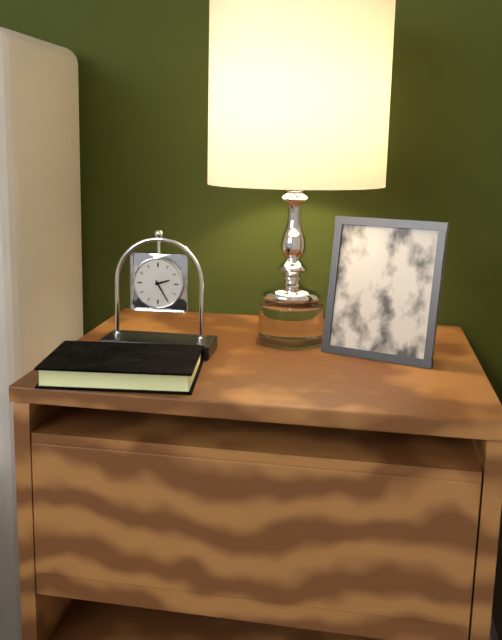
{"hour": 2, "minute": 25}
